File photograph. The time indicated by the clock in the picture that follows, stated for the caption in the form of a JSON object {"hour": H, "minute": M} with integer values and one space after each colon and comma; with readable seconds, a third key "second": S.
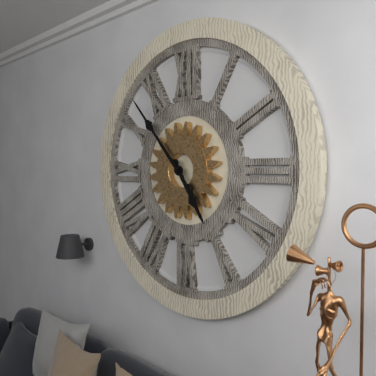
{"hour": 4, "minute": 53}
